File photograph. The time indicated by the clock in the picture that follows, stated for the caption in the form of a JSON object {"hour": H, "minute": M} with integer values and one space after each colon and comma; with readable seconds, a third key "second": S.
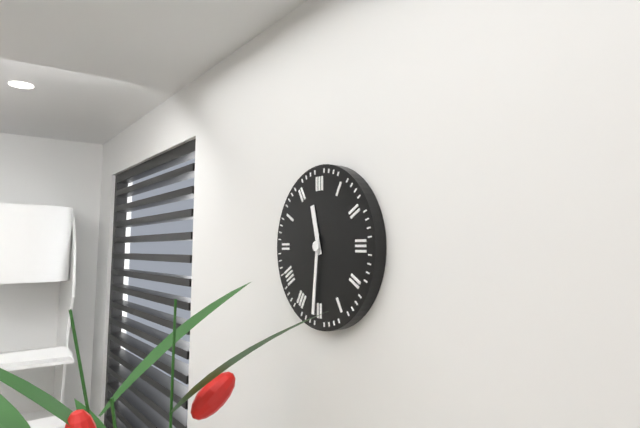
{"hour": 11, "minute": 31}
